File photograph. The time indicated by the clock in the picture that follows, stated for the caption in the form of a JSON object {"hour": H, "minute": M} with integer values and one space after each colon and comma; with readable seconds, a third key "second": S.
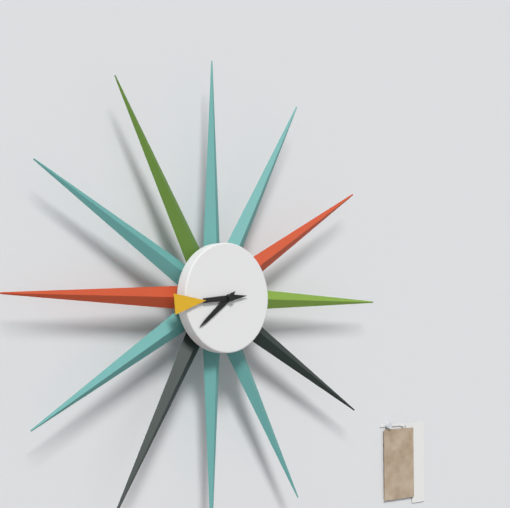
{"hour": 7, "minute": 44}
